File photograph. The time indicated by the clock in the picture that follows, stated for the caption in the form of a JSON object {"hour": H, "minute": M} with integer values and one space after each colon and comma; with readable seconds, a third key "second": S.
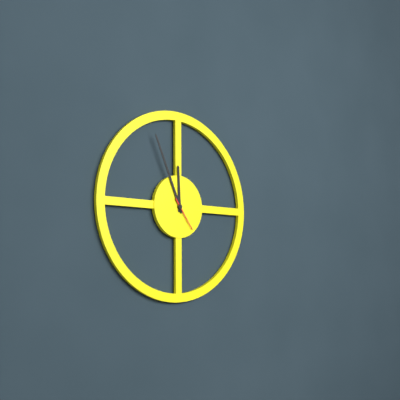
{"hour": 11, "minute": 56}
